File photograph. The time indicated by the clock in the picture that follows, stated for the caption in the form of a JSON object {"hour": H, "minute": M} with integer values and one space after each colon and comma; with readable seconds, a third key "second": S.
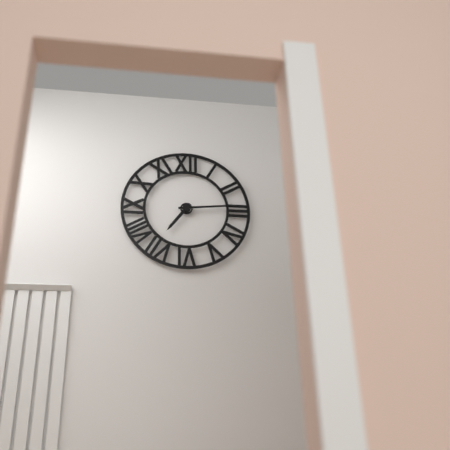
{"hour": 7, "minute": 14}
